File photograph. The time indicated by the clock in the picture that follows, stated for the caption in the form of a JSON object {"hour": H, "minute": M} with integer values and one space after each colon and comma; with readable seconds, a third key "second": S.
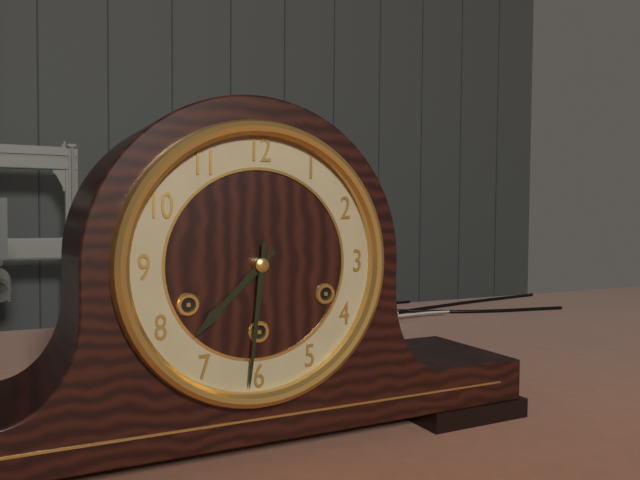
{"hour": 7, "minute": 31}
